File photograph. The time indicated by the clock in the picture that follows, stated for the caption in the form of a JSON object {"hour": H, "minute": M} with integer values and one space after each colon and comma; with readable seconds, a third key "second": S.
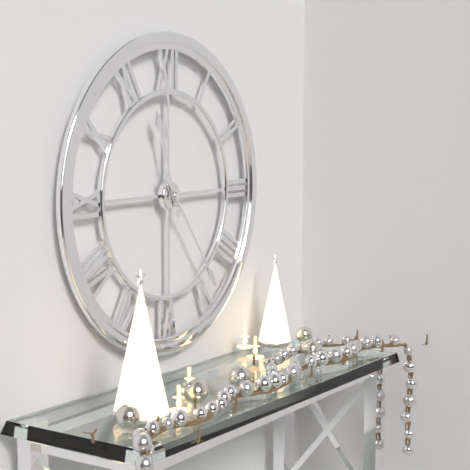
{"hour": 11, "minute": 24}
